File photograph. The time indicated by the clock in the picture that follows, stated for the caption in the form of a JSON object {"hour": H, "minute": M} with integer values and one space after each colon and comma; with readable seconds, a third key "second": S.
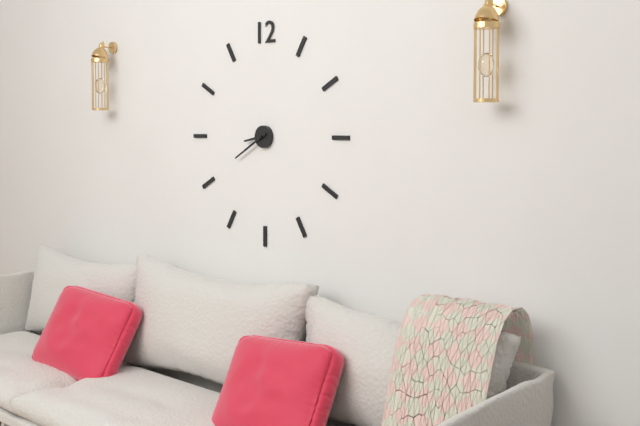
{"hour": 8, "minute": 40}
